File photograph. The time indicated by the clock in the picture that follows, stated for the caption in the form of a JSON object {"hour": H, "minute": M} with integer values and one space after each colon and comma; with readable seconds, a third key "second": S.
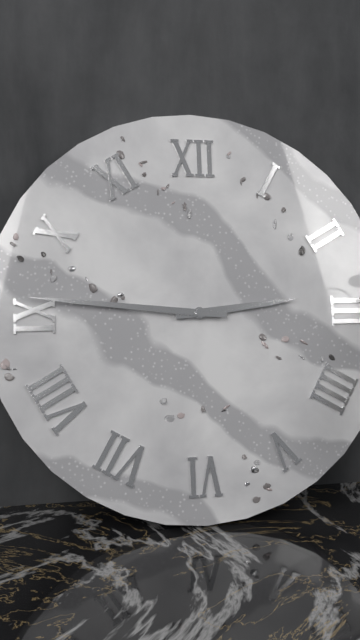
{"hour": 2, "minute": 46}
